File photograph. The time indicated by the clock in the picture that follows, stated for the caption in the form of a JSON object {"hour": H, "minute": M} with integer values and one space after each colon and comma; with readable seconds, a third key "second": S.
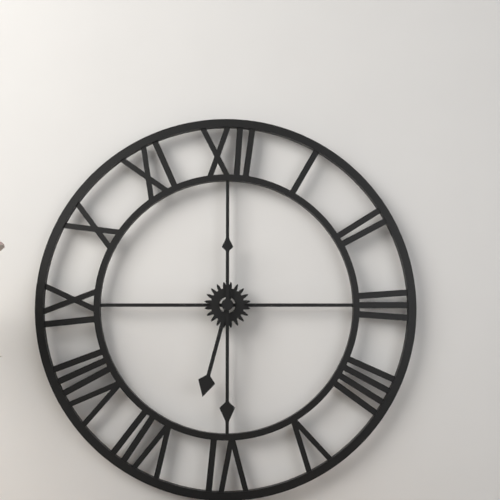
{"hour": 6, "minute": 30}
